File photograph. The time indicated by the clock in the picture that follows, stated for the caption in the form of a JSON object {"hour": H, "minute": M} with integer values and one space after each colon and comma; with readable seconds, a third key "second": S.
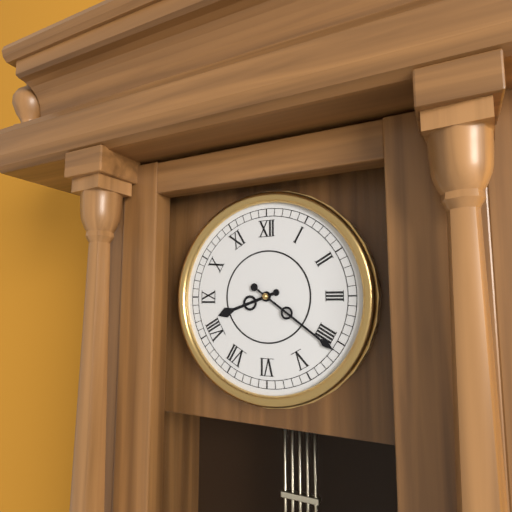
{"hour": 8, "minute": 21}
